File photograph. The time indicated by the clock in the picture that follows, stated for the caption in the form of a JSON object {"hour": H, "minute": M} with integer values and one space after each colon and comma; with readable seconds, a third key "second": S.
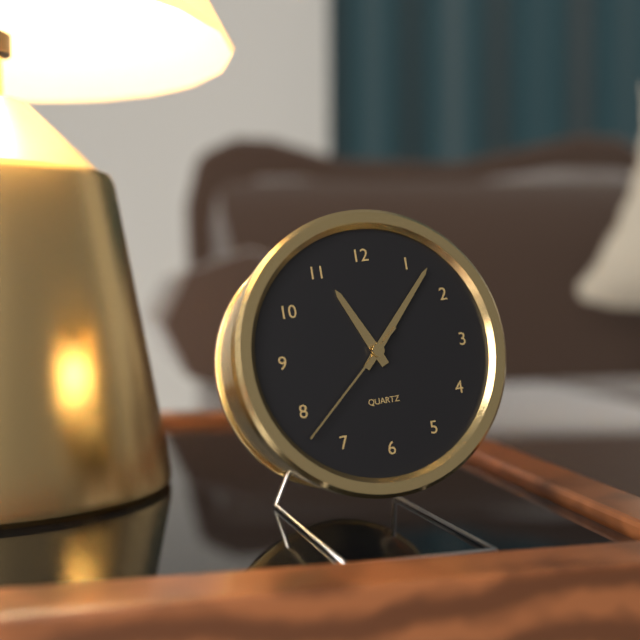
{"hour": 11, "minute": 7, "second": 38}
